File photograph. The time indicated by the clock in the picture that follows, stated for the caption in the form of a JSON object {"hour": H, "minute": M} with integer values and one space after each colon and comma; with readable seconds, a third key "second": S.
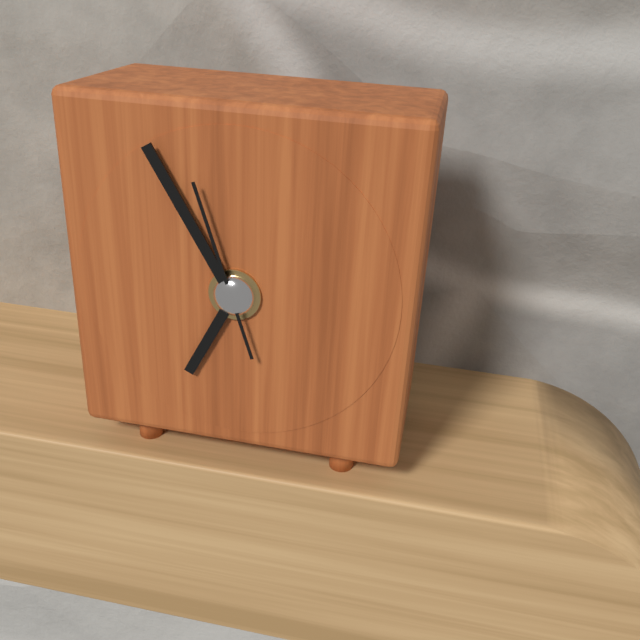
{"hour": 6, "minute": 55, "second": 57}
